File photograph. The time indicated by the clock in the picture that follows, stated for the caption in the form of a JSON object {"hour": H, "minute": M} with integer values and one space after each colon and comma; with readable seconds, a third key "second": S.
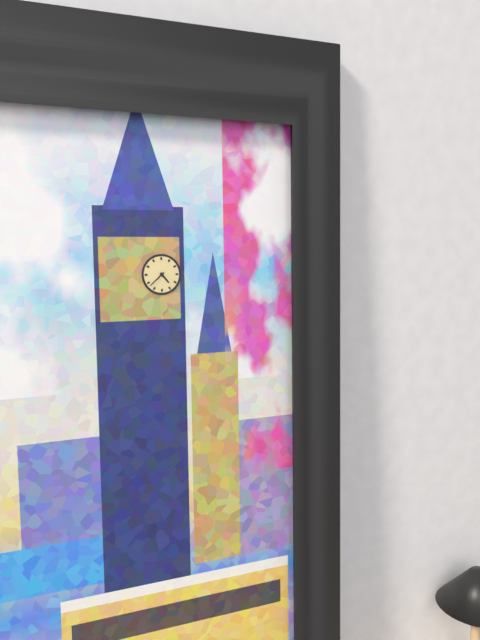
{"hour": 4, "minute": 38}
